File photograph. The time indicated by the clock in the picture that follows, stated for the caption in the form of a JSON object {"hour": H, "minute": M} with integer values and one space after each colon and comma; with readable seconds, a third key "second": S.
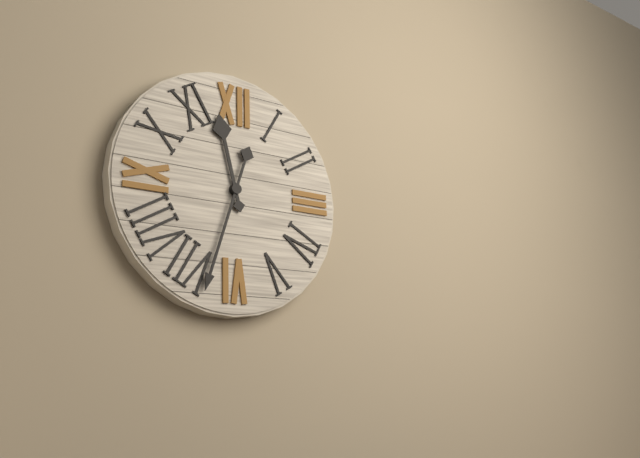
{"hour": 11, "minute": 33}
